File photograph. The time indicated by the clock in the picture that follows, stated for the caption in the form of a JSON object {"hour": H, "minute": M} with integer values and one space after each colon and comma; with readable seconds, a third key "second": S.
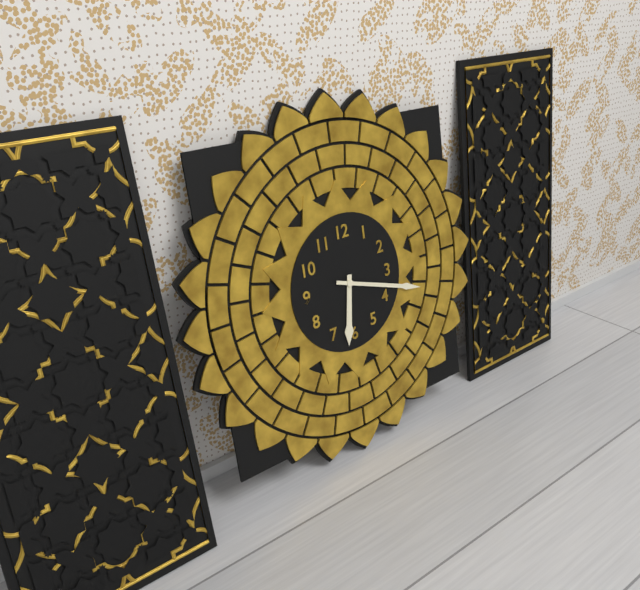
{"hour": 6, "minute": 18}
